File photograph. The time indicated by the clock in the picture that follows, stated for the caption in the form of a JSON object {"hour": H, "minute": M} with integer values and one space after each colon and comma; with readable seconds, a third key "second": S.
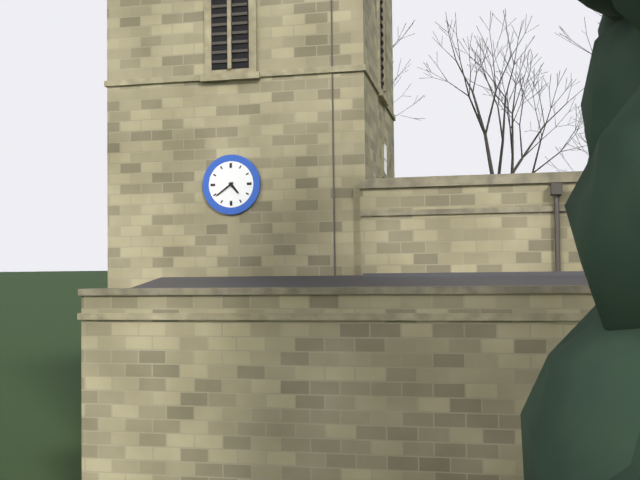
{"hour": 4, "minute": 39}
